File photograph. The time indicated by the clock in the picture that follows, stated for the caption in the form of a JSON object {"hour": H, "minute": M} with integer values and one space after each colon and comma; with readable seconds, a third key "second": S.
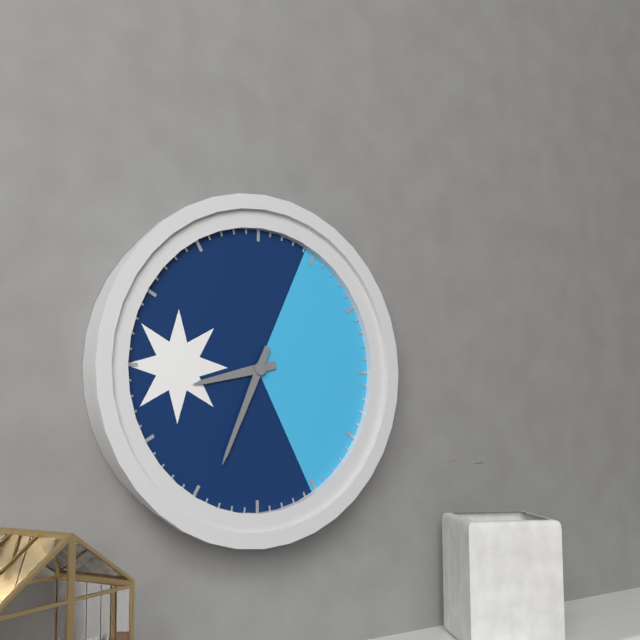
{"hour": 8, "minute": 34}
